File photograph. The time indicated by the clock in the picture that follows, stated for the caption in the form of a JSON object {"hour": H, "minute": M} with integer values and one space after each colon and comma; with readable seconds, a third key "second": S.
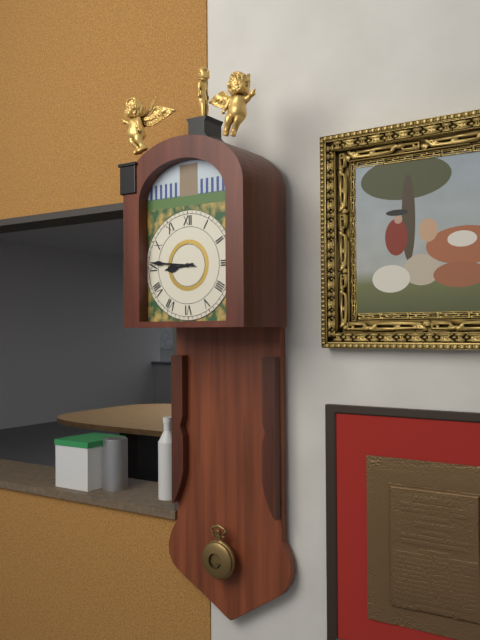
{"hour": 8, "minute": 46}
